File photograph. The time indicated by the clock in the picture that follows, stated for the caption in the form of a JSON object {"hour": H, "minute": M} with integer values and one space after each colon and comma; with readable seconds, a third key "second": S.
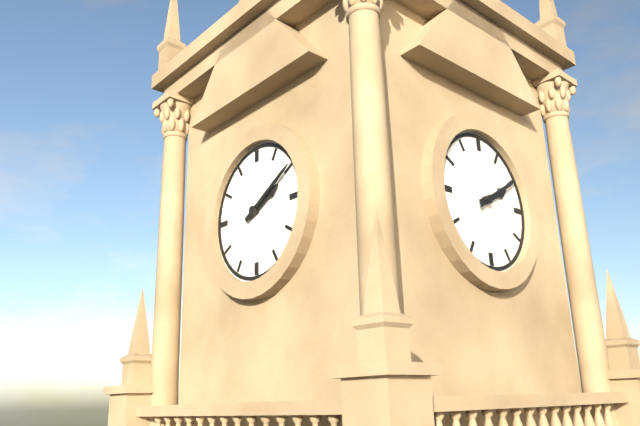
{"hour": 2, "minute": 10}
